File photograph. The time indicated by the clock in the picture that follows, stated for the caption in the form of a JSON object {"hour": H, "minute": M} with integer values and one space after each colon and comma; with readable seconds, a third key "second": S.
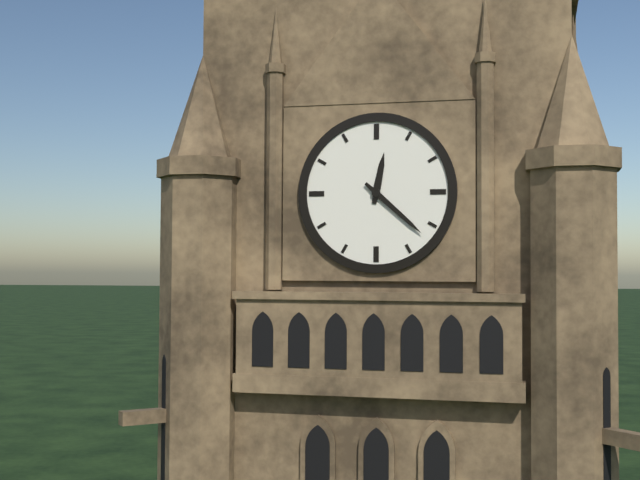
{"hour": 12, "minute": 22}
